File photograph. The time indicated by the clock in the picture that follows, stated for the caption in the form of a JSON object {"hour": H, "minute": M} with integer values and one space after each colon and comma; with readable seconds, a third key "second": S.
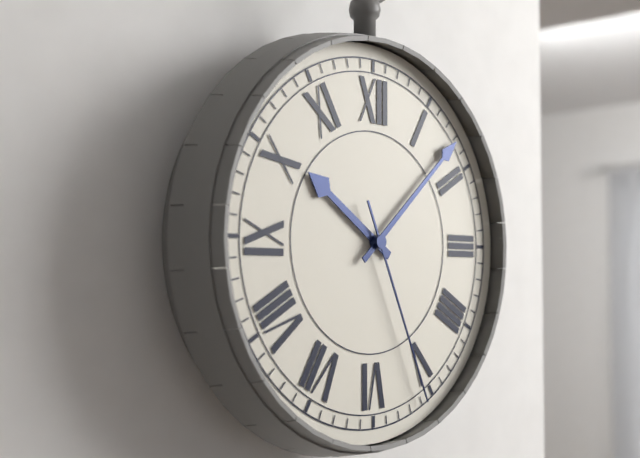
{"hour": 10, "minute": 8, "second": 26}
